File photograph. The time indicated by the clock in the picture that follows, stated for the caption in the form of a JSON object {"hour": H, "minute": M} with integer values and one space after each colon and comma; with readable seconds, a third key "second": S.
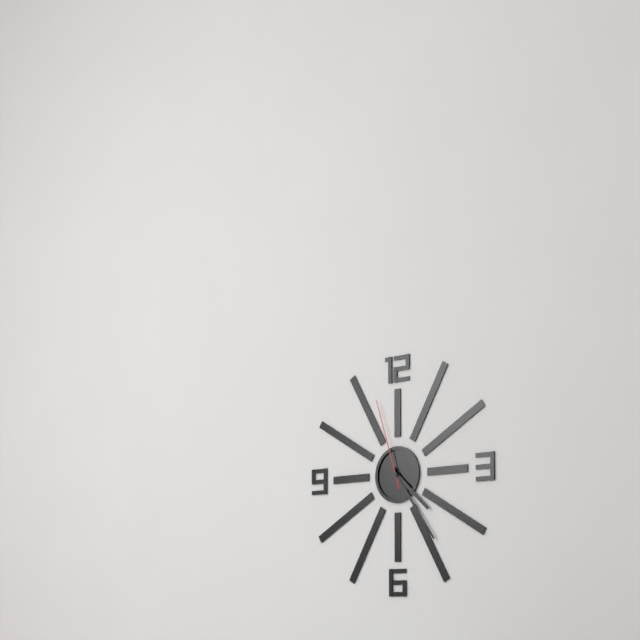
{"hour": 4, "minute": 24, "second": 57}
